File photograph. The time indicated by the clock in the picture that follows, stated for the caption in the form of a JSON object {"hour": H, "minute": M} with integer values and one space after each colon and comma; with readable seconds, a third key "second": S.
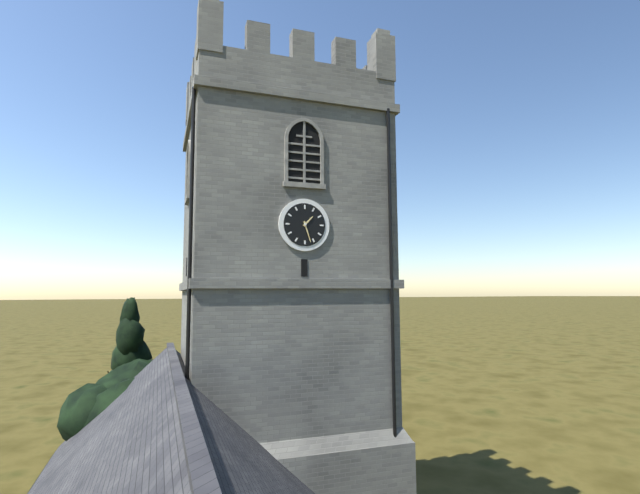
{"hour": 1, "minute": 27}
